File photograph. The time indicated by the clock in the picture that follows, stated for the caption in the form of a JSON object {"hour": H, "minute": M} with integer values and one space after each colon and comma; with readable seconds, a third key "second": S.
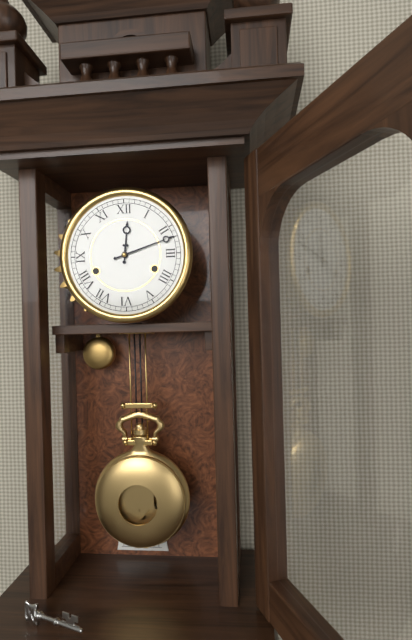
{"hour": 12, "minute": 12}
